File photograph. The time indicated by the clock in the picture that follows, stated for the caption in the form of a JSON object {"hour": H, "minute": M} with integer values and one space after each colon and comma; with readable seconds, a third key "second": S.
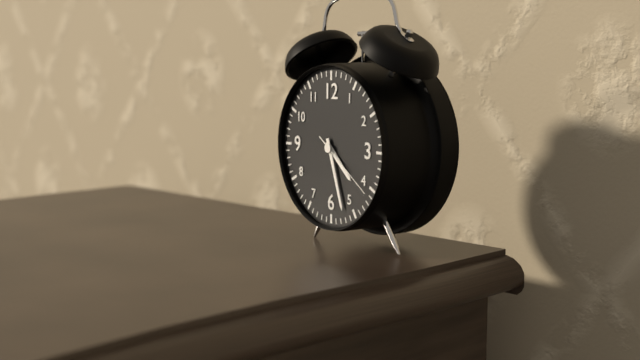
{"hour": 4, "minute": 27, "second": 21}
